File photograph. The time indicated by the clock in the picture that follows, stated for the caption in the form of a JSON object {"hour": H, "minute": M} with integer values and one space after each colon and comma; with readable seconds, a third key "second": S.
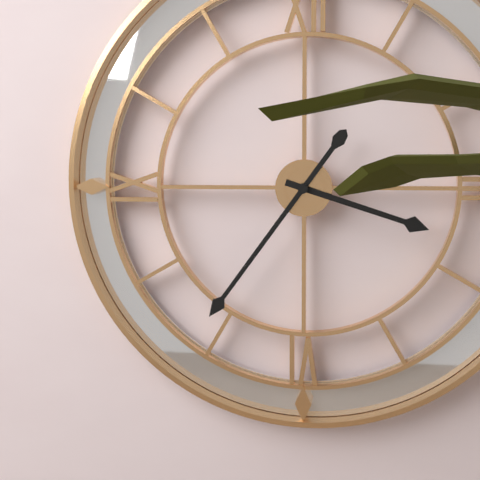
{"hour": 3, "minute": 36}
